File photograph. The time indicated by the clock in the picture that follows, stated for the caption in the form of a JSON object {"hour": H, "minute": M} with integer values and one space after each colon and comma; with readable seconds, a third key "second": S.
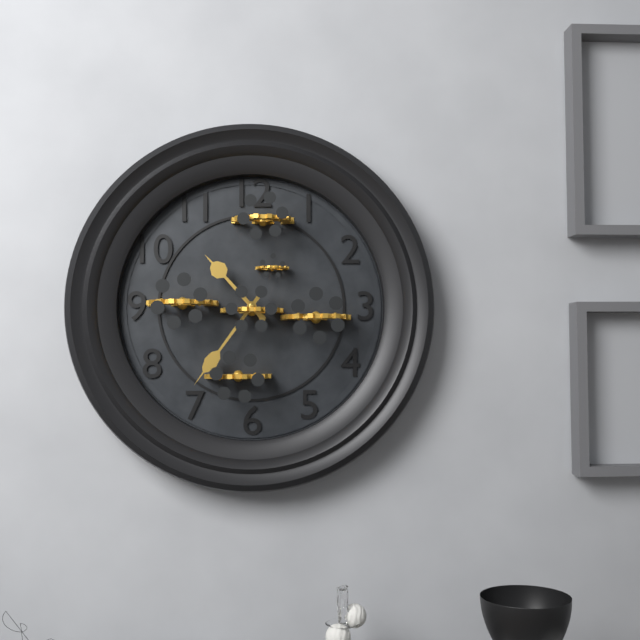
{"hour": 10, "minute": 36}
